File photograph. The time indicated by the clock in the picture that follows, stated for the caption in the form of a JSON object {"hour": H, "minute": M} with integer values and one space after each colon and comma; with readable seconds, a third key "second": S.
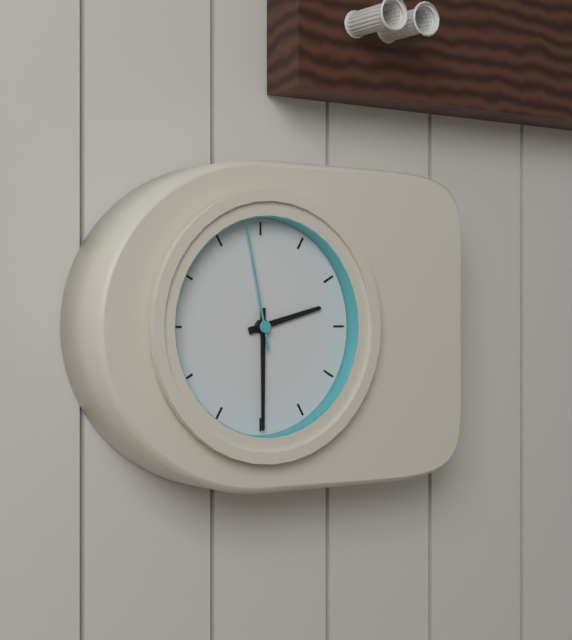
{"hour": 2, "minute": 30, "second": 58}
